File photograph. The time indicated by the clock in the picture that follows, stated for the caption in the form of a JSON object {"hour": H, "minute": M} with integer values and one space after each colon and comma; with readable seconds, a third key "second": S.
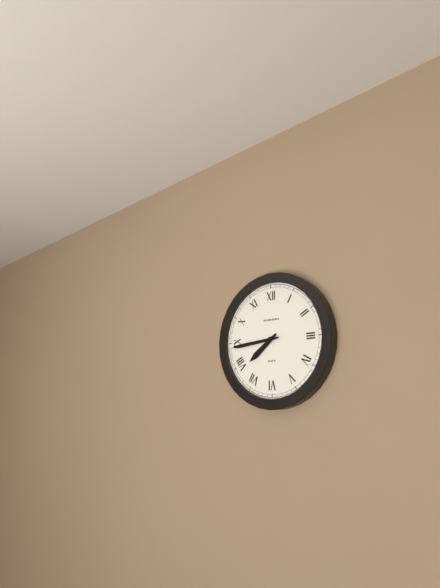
{"hour": 7, "minute": 44}
